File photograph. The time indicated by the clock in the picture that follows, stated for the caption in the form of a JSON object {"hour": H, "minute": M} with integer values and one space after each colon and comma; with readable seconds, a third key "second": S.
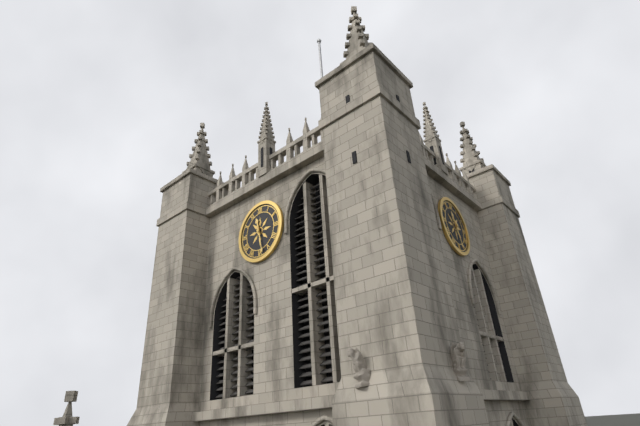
{"hour": 11, "minute": 28}
